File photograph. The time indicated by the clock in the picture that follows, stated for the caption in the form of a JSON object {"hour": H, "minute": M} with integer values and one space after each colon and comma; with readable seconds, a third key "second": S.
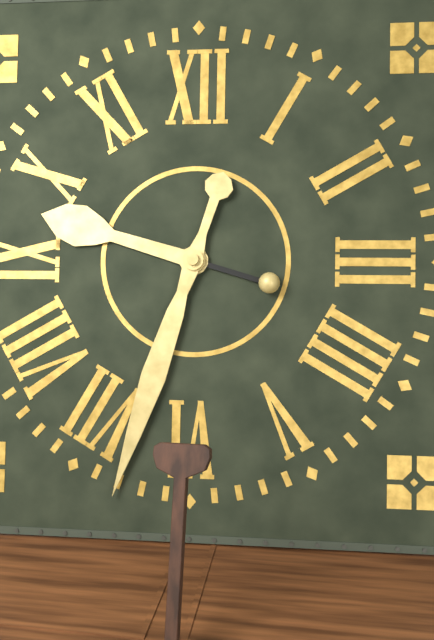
{"hour": 9, "minute": 33}
